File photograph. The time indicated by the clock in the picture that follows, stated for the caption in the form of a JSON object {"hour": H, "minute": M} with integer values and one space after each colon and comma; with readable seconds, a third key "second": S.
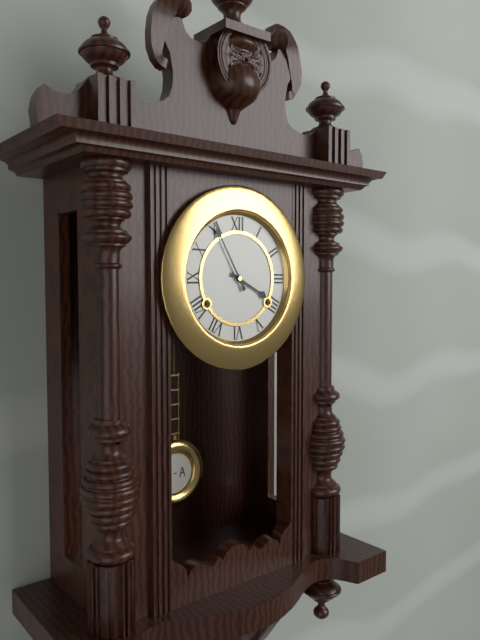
{"hour": 3, "minute": 55}
